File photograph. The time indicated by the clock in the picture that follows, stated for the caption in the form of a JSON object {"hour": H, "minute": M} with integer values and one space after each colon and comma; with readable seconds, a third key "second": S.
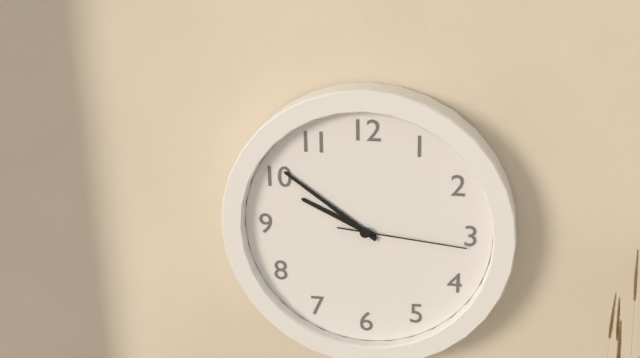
{"hour": 9, "minute": 51, "second": 16}
